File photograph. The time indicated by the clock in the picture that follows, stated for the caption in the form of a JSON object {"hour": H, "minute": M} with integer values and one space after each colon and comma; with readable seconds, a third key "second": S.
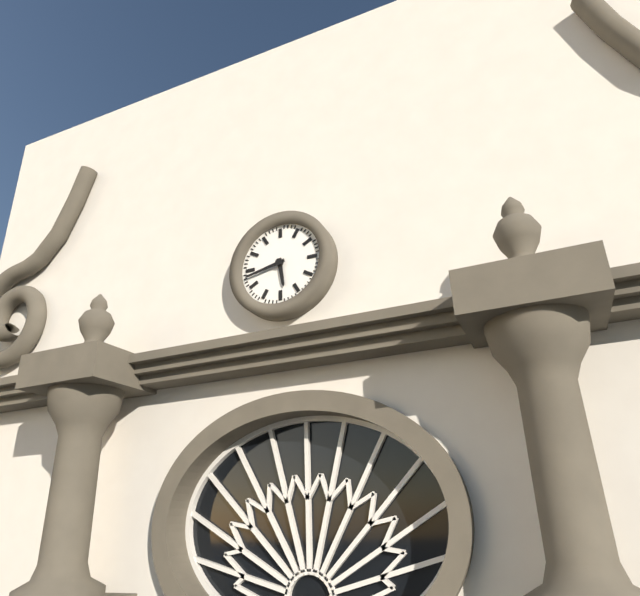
{"hour": 5, "minute": 43}
